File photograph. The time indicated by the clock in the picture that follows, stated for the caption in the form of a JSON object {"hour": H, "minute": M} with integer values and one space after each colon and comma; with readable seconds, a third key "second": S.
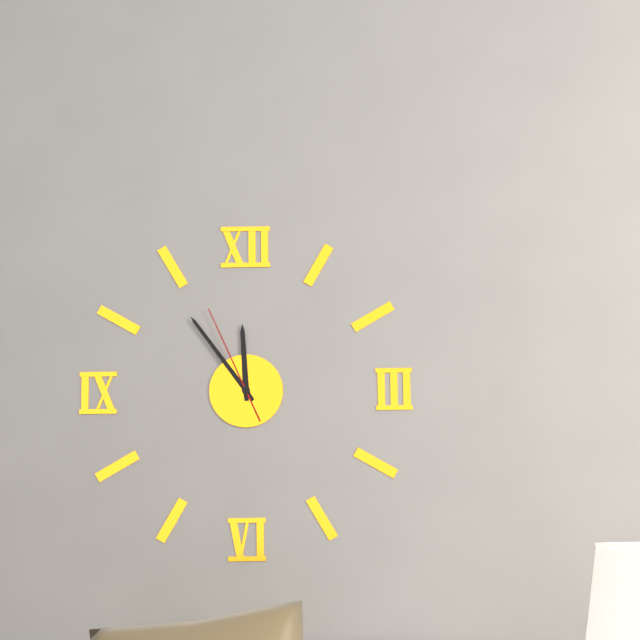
{"hour": 11, "minute": 54, "second": 56}
